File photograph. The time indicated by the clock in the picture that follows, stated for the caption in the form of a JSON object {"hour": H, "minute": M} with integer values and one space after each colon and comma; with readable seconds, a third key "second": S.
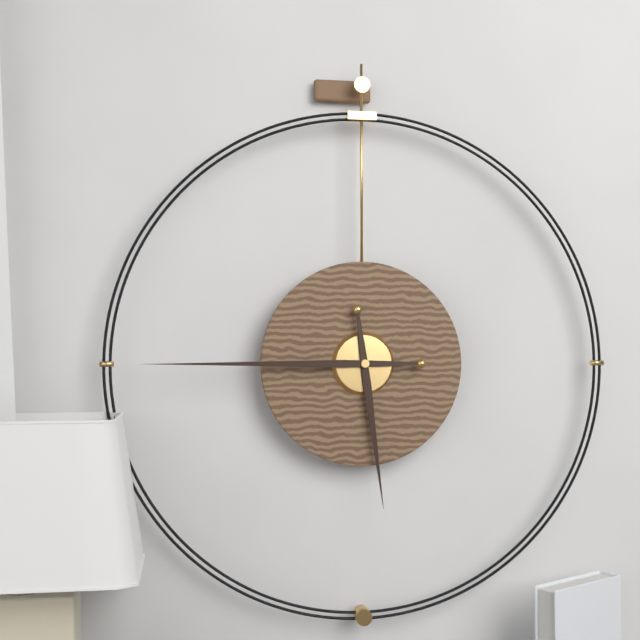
{"hour": 5, "minute": 45}
